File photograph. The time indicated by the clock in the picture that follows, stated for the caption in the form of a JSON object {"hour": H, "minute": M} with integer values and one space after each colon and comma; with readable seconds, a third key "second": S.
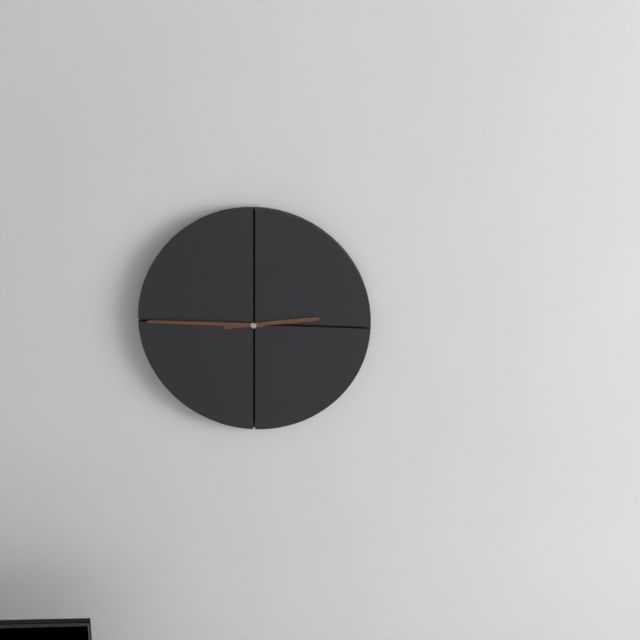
{"hour": 2, "minute": 45}
